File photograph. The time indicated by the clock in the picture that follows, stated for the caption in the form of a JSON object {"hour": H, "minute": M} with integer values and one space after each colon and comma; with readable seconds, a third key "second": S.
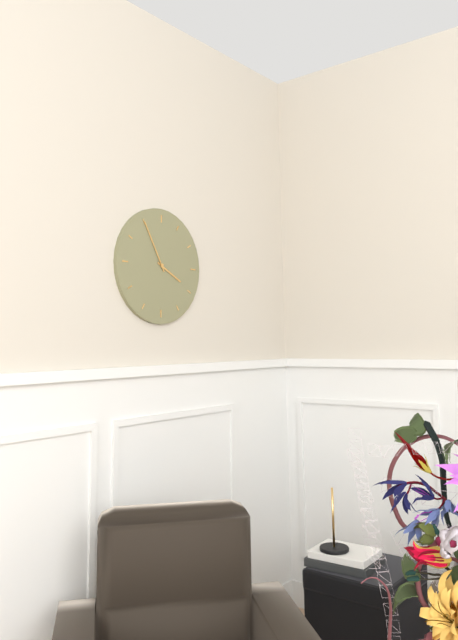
{"hour": 3, "minute": 55}
